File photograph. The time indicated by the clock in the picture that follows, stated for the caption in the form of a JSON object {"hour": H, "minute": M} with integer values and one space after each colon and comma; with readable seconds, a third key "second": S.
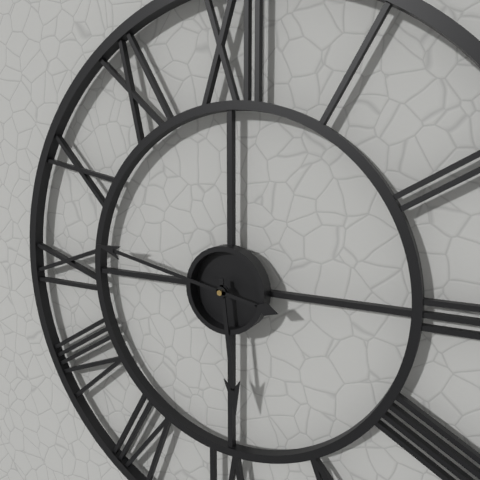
{"hour": 5, "minute": 47}
